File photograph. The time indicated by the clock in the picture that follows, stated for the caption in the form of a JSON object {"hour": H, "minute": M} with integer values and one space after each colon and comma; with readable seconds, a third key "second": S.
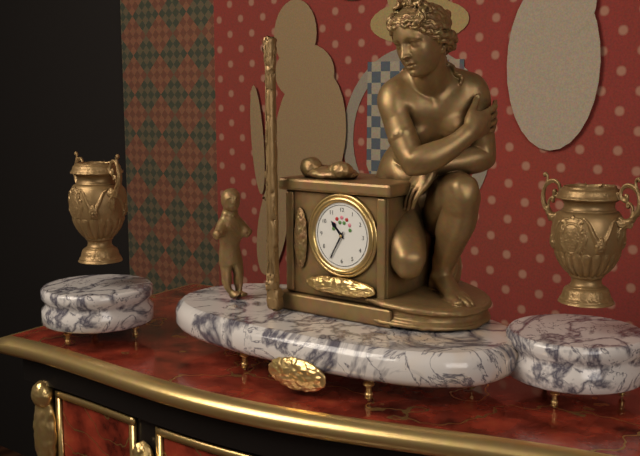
{"hour": 10, "minute": 35}
